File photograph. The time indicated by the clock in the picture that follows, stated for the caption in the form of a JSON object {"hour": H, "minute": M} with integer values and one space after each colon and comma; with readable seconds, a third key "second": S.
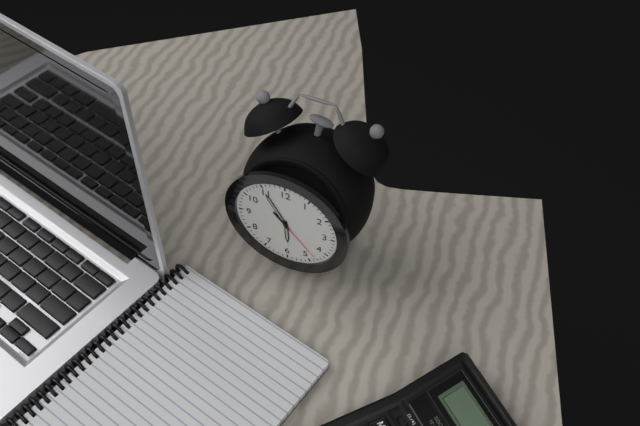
{"hour": 5, "minute": 55, "second": 23}
